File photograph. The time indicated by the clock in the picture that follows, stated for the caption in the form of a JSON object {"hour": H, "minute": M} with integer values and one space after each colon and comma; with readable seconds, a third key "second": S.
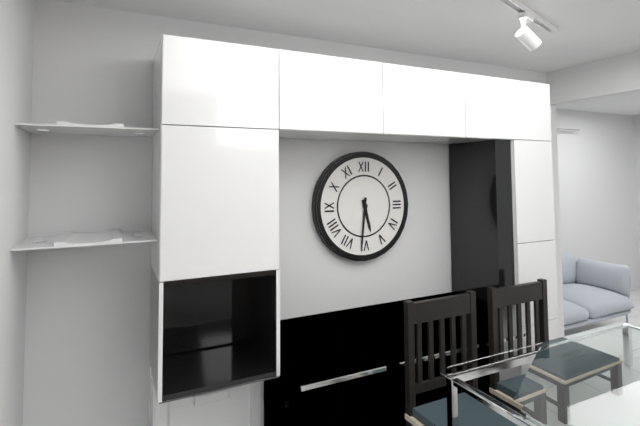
{"hour": 5, "minute": 31}
